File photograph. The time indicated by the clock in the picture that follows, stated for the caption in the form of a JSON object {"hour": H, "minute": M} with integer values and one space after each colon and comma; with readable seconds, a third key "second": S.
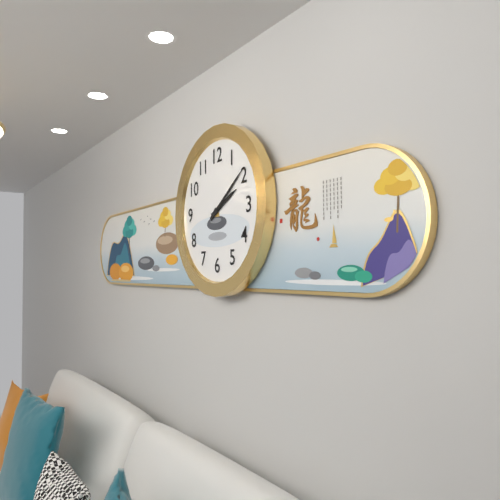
{"hour": 2, "minute": 9}
